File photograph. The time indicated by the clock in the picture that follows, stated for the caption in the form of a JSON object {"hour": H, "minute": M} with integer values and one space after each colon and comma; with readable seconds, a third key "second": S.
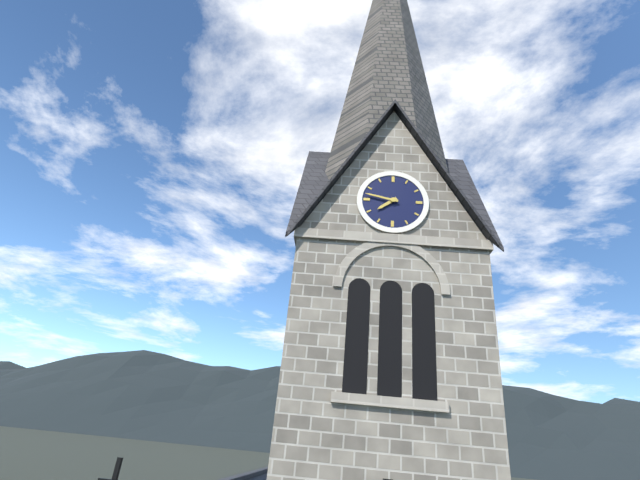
{"hour": 7, "minute": 47}
